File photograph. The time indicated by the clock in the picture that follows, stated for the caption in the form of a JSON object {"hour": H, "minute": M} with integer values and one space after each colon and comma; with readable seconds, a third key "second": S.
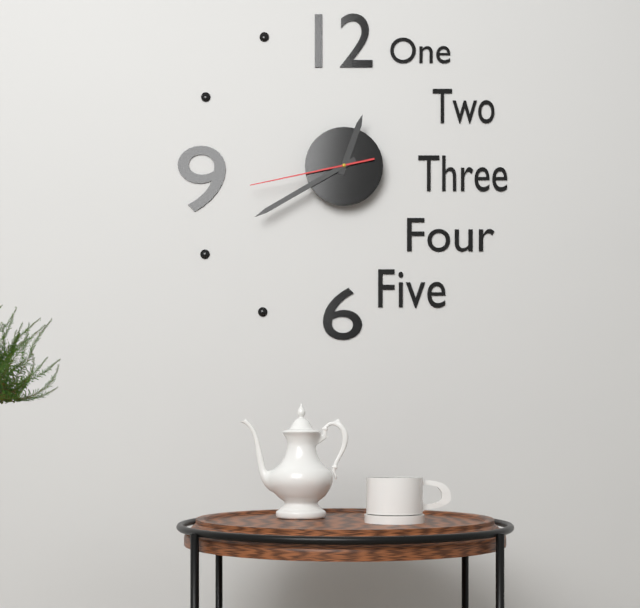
{"hour": 12, "minute": 40, "second": 43}
